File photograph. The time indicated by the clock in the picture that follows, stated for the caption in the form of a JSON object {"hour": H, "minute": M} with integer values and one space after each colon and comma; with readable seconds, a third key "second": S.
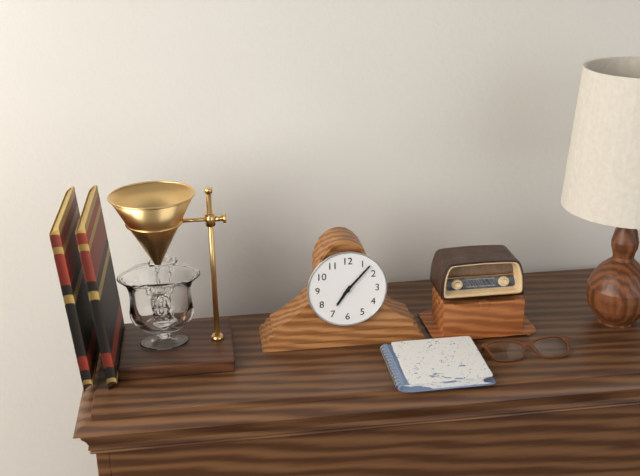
{"hour": 7, "minute": 7}
